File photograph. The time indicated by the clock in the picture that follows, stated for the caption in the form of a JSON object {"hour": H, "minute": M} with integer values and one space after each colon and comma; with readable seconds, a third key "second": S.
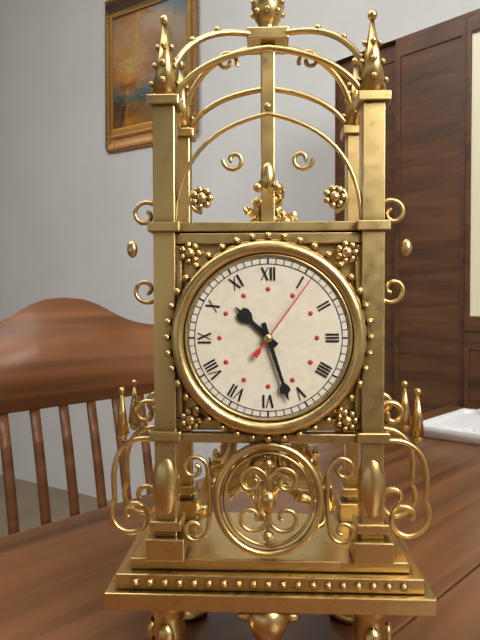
{"hour": 10, "minute": 27, "second": 6}
